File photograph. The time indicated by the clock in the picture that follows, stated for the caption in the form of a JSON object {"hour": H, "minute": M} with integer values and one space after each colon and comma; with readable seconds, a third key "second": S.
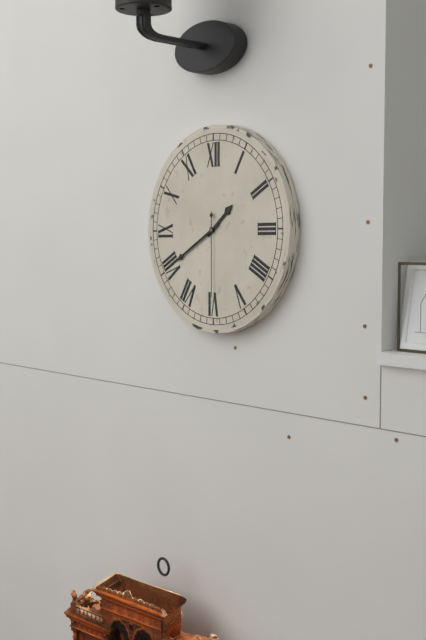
{"hour": 1, "minute": 40, "second": 30}
